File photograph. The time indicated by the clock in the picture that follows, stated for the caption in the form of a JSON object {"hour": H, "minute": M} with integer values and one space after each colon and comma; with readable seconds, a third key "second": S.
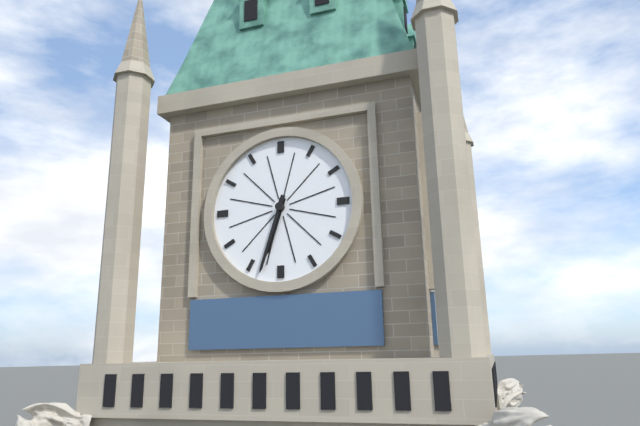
{"hour": 6, "minute": 33}
